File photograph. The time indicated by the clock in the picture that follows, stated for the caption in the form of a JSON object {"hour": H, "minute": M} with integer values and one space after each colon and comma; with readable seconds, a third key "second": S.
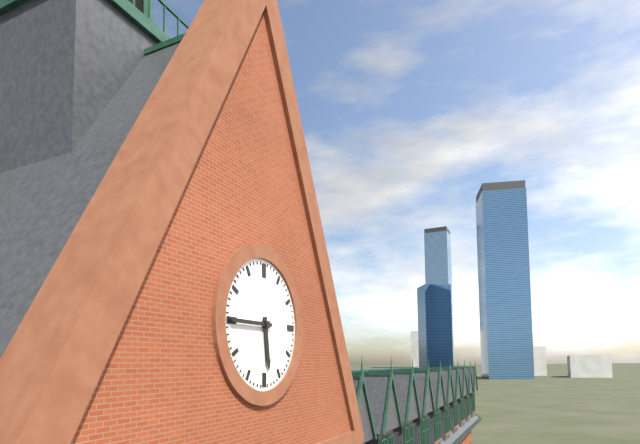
{"hour": 5, "minute": 45}
